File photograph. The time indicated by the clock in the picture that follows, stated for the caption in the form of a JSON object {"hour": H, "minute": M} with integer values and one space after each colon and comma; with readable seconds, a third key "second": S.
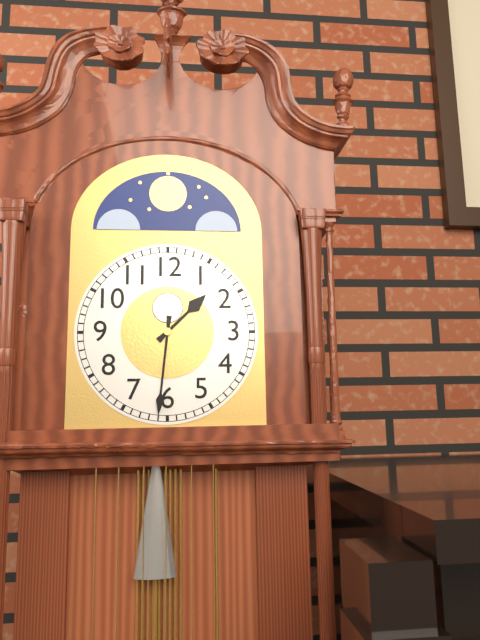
{"hour": 1, "minute": 31}
